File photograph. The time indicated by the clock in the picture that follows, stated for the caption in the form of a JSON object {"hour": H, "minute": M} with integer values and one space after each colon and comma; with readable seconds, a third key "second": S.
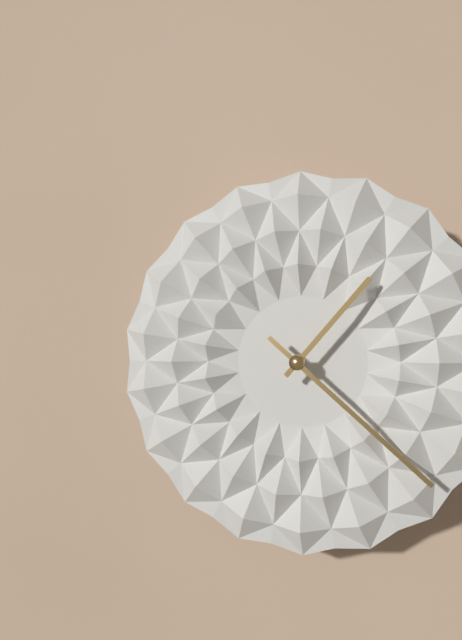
{"hour": 1, "minute": 22}
